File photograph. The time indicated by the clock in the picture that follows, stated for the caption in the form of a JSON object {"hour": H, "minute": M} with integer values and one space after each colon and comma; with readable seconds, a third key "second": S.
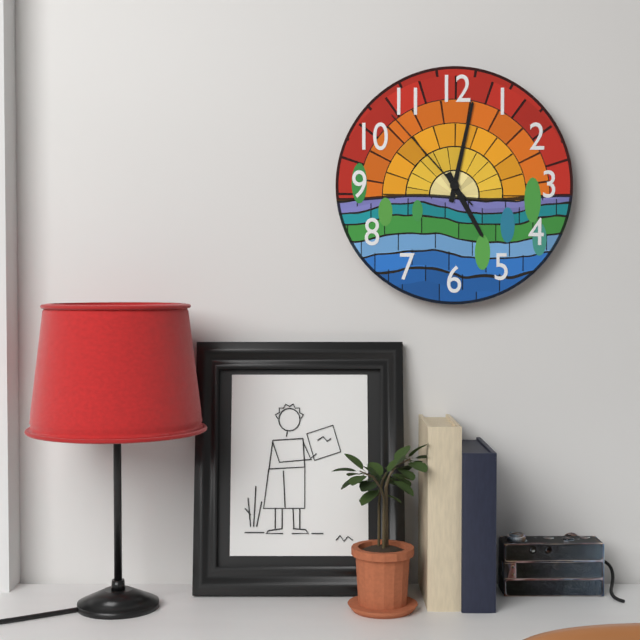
{"hour": 5, "minute": 2, "second": 53}
